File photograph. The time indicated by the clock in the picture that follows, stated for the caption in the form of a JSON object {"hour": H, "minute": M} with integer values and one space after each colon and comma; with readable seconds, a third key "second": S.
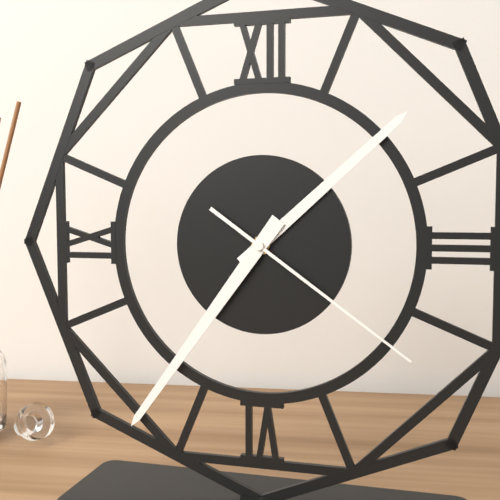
{"hour": 1, "minute": 36, "second": 21}
